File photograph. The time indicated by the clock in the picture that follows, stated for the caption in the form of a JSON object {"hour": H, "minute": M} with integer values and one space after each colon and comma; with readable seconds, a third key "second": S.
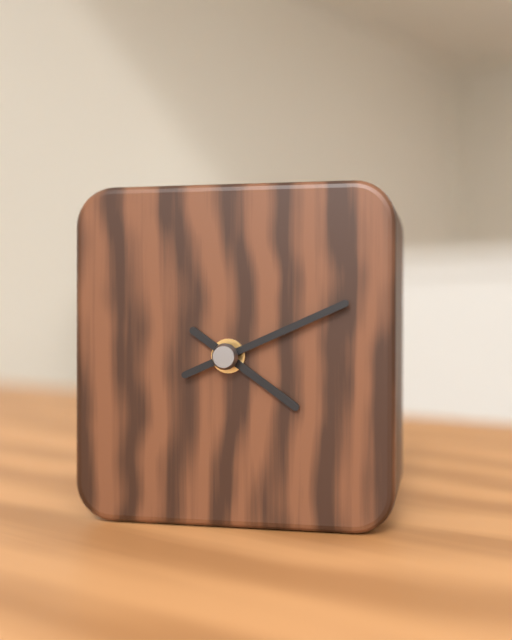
{"hour": 4, "minute": 11}
